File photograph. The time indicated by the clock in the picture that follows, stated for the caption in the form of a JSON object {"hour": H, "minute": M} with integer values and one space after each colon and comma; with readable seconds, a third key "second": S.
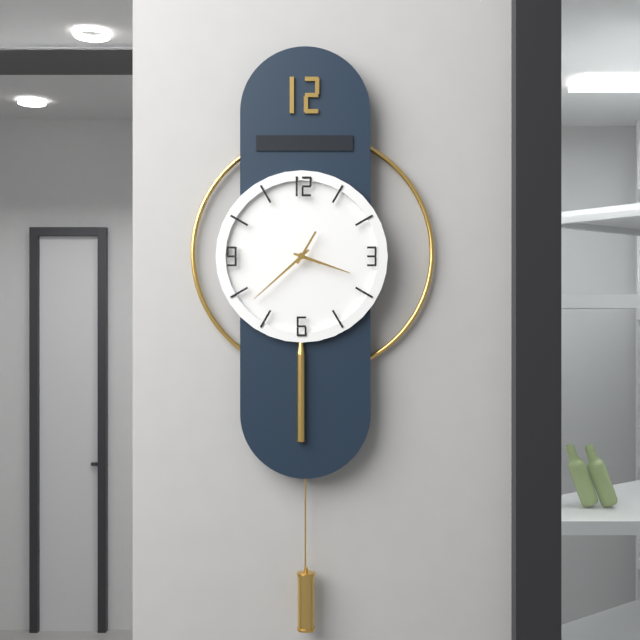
{"hour": 3, "minute": 38}
